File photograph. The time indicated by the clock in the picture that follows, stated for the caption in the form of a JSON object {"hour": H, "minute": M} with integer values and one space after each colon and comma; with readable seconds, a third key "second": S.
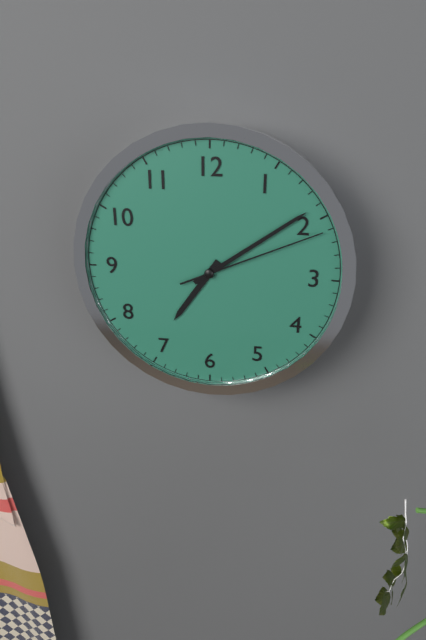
{"hour": 7, "minute": 9, "second": 11}
